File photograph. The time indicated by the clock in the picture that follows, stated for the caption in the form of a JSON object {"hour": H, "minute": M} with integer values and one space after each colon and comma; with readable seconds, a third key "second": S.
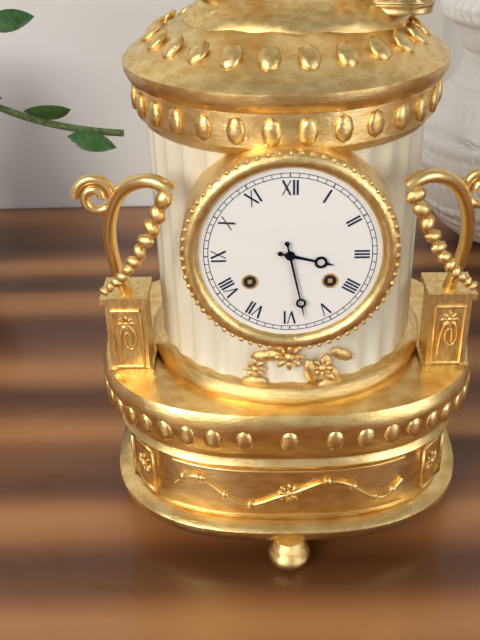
{"hour": 3, "minute": 28}
